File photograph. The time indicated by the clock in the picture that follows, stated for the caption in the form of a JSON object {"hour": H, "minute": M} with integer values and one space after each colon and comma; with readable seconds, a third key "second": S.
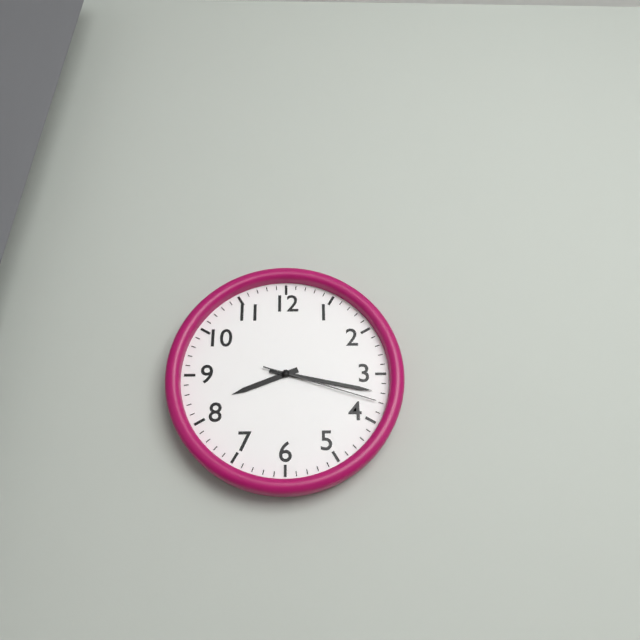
{"hour": 8, "minute": 17, "second": 18}
